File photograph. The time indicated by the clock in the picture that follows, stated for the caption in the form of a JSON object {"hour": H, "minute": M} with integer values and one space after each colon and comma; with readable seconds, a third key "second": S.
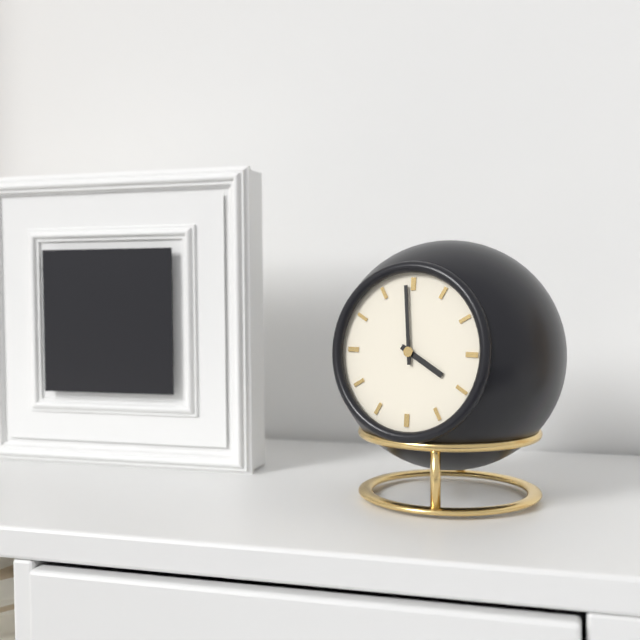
{"hour": 3, "minute": 59}
